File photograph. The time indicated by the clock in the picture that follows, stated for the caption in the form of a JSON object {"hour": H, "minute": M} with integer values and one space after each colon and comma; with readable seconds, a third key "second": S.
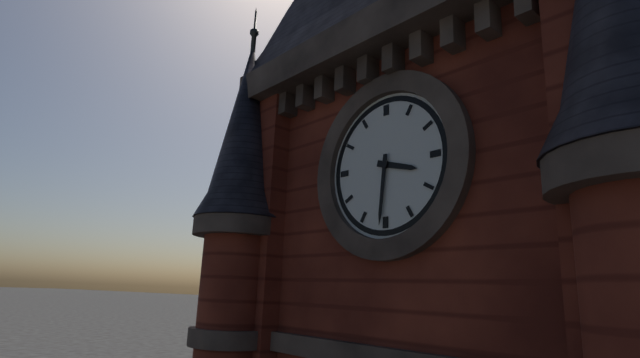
{"hour": 3, "minute": 31}
